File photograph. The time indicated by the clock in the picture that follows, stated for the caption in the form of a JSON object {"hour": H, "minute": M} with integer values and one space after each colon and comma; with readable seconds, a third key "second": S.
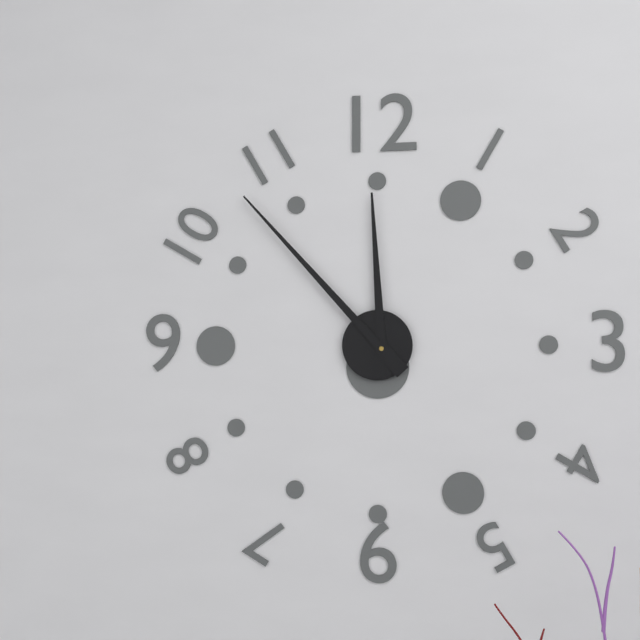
{"hour": 11, "minute": 53}
